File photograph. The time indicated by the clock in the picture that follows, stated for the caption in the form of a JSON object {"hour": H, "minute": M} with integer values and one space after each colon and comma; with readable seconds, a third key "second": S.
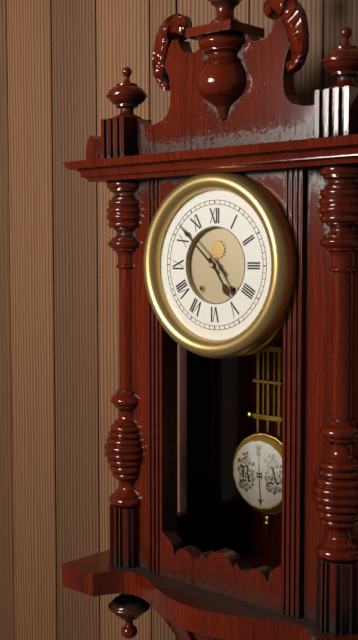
{"hour": 4, "minute": 52}
